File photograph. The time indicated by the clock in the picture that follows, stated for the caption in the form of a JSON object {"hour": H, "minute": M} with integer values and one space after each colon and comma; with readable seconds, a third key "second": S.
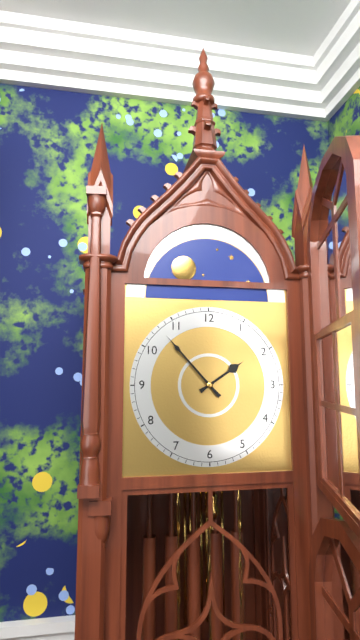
{"hour": 1, "minute": 53}
